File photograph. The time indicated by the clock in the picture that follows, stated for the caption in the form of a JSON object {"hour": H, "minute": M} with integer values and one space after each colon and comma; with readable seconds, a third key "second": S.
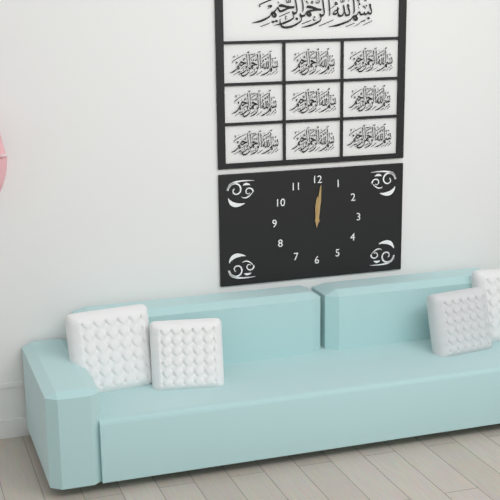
{"hour": 12, "minute": 1}
